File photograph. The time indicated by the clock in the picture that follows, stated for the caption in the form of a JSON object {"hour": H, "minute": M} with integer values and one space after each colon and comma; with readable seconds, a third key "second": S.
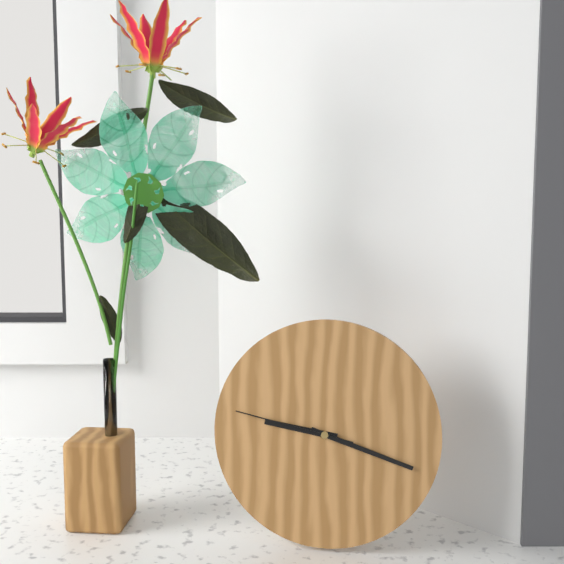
{"hour": 9, "minute": 18, "second": 47}
